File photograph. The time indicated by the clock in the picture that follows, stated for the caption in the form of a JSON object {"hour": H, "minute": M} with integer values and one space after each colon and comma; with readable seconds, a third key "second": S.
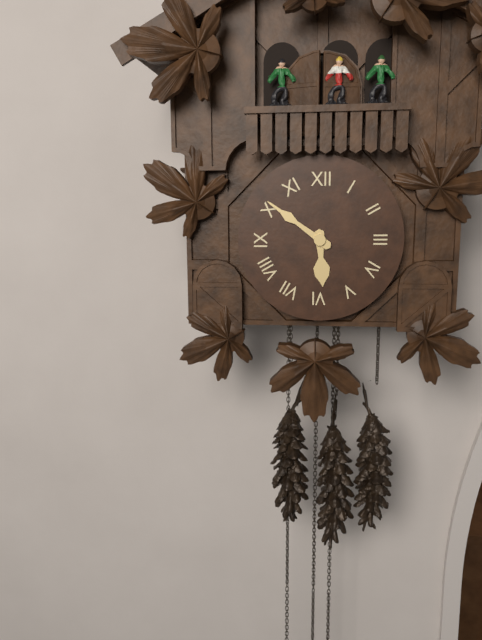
{"hour": 5, "minute": 51}
